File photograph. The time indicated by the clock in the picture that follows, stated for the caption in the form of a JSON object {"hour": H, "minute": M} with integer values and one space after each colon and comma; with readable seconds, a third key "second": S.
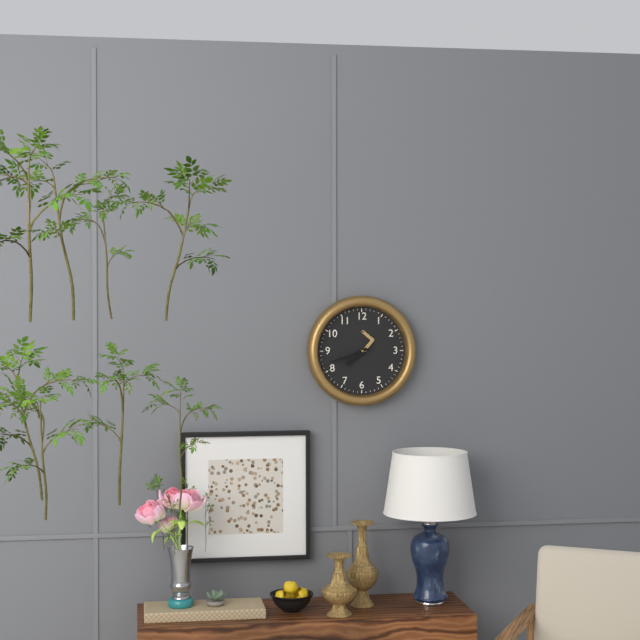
{"hour": 7, "minute": 42}
